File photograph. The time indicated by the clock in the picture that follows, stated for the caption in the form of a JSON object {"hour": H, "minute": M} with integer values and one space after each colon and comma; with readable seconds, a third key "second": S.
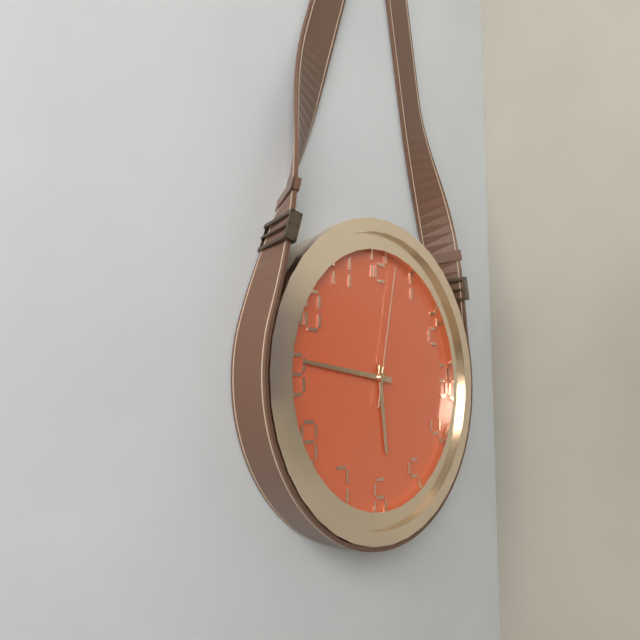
{"hour": 5, "minute": 46, "second": 2}
